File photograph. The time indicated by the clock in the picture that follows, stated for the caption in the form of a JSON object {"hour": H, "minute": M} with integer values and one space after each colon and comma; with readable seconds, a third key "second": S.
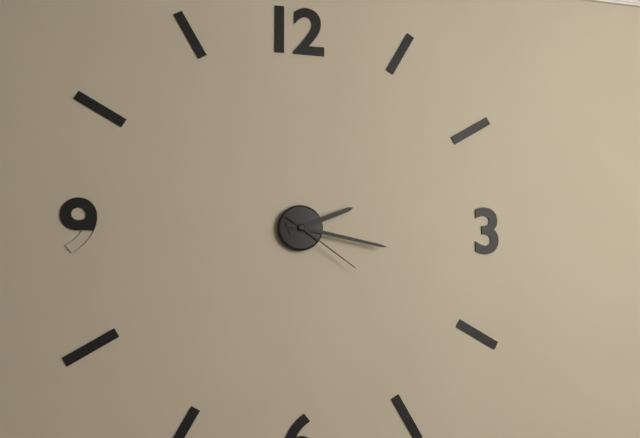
{"hour": 2, "minute": 17, "second": 21}
